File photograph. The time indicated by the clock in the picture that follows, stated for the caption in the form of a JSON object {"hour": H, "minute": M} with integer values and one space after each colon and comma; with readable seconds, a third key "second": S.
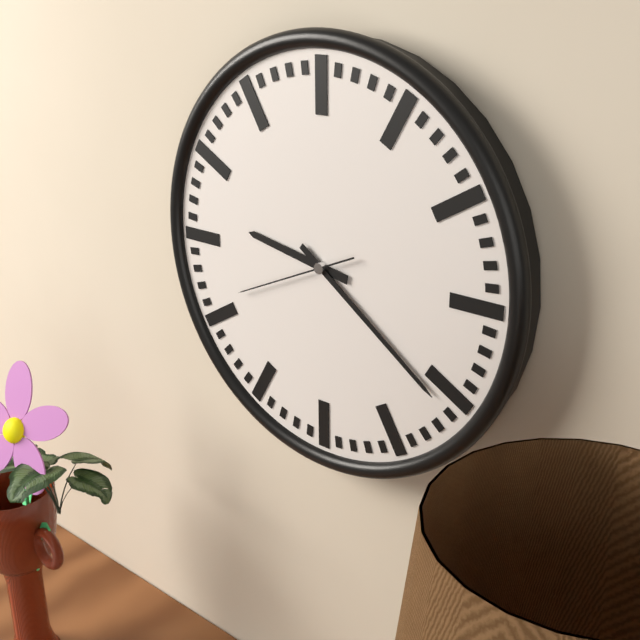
{"hour": 9, "minute": 21, "second": 41}
